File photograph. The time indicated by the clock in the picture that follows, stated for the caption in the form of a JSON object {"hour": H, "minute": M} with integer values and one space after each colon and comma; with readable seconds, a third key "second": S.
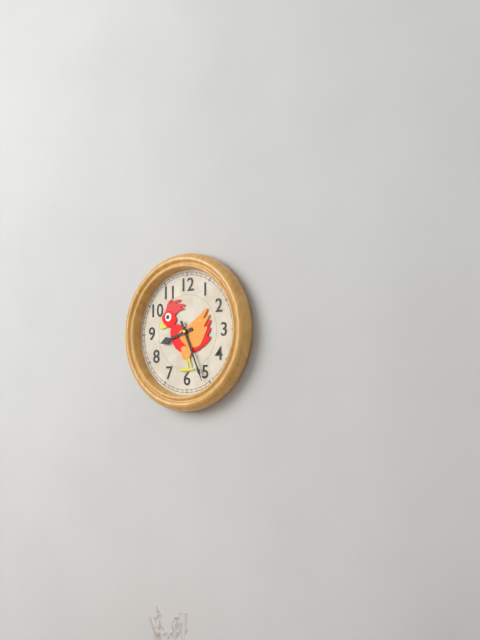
{"hour": 8, "minute": 26}
